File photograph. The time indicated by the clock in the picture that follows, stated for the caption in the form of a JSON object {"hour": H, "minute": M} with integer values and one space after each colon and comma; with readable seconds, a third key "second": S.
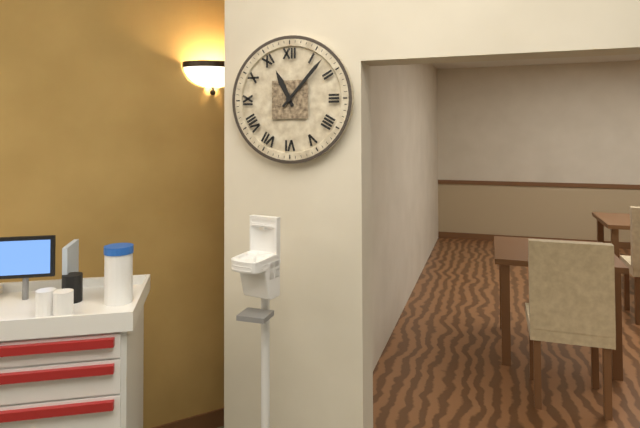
{"hour": 11, "minute": 7}
